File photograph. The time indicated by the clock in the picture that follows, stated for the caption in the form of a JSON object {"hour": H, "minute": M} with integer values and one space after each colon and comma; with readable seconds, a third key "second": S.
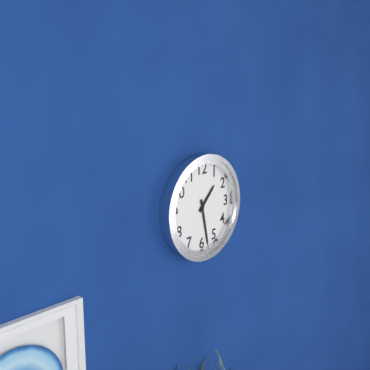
{"hour": 1, "minute": 28}
